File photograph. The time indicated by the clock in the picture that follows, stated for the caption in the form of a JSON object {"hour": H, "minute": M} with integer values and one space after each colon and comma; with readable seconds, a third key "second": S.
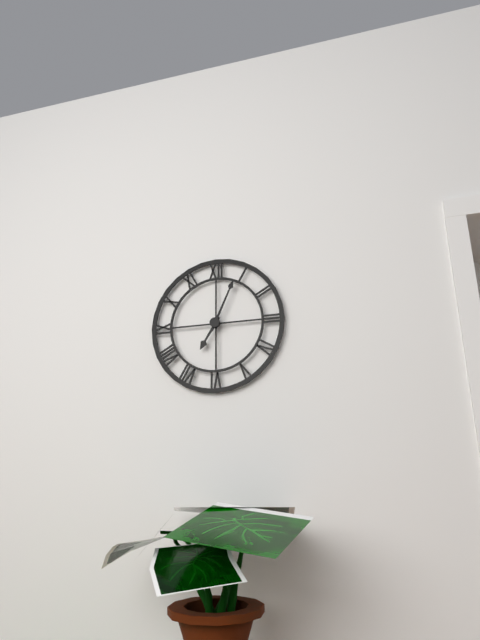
{"hour": 7, "minute": 4}
